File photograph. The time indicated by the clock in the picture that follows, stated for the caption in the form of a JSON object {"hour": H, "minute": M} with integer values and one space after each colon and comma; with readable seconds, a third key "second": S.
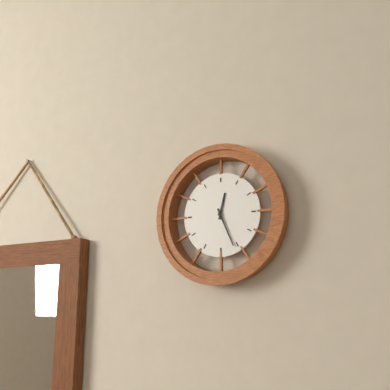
{"hour": 12, "minute": 26}
